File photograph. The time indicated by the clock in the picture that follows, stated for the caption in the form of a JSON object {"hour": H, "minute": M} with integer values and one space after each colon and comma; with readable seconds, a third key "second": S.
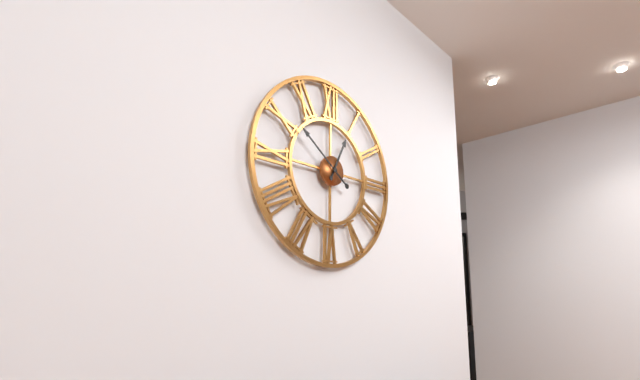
{"hour": 12, "minute": 51}
